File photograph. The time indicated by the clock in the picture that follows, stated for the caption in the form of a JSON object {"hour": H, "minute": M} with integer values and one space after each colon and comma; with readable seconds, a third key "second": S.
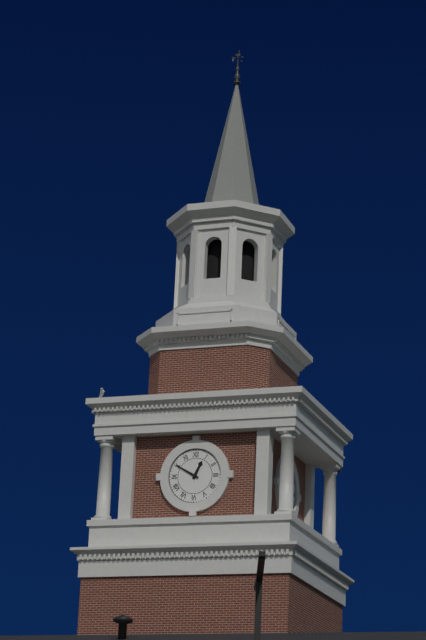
{"hour": 12, "minute": 50}
